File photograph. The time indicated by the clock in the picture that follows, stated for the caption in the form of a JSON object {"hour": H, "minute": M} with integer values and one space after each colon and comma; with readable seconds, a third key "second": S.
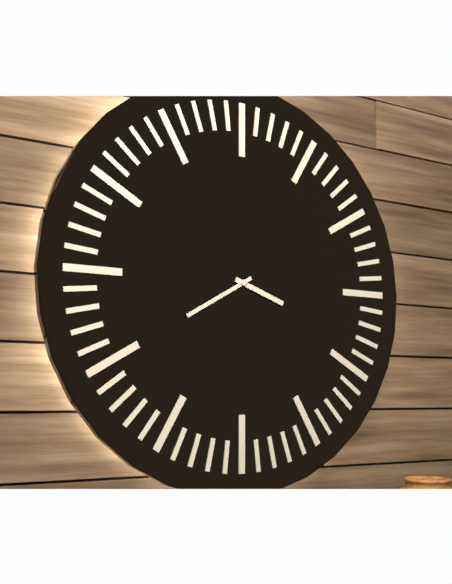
{"hour": 3, "minute": 40}
